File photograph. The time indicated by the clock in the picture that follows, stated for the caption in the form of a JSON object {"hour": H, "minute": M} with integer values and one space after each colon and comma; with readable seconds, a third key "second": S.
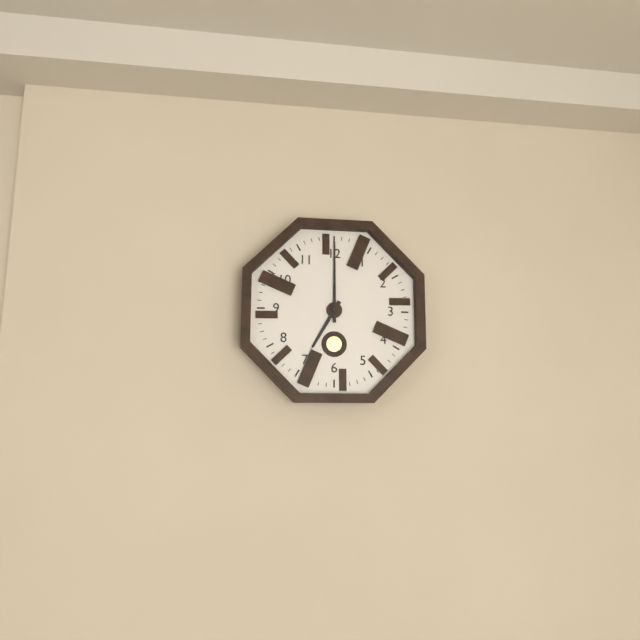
{"hour": 7, "minute": 0}
